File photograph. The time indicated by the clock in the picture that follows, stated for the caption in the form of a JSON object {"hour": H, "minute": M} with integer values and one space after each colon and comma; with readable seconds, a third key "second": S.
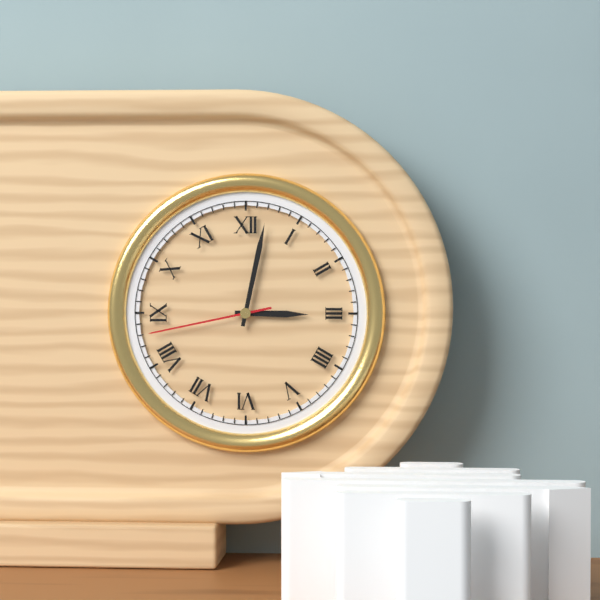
{"hour": 3, "minute": 2, "second": 43}
